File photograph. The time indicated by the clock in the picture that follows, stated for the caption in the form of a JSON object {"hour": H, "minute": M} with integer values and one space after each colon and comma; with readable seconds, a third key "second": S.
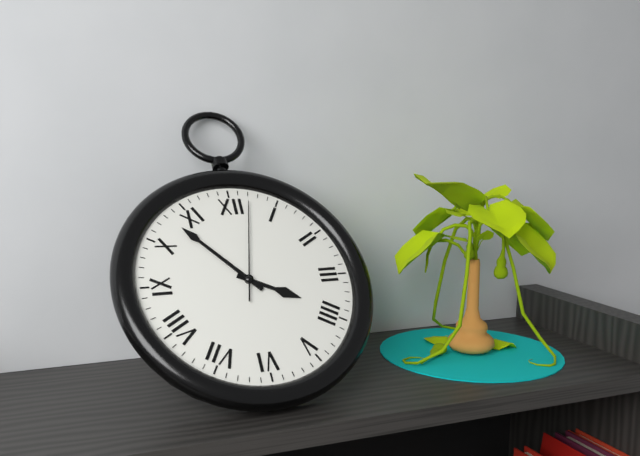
{"hour": 3, "minute": 53, "second": 2}
